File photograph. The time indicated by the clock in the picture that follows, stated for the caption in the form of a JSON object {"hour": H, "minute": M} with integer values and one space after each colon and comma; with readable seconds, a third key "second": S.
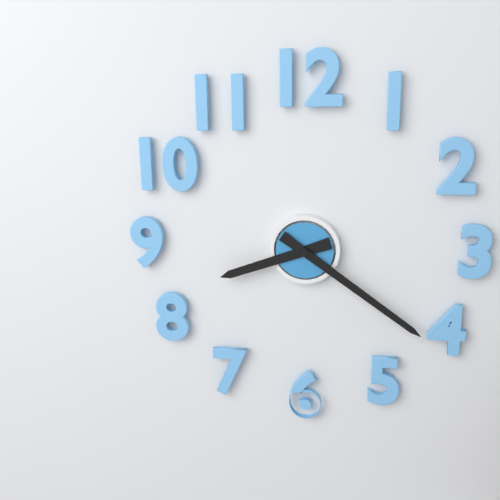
{"hour": 8, "minute": 21}
